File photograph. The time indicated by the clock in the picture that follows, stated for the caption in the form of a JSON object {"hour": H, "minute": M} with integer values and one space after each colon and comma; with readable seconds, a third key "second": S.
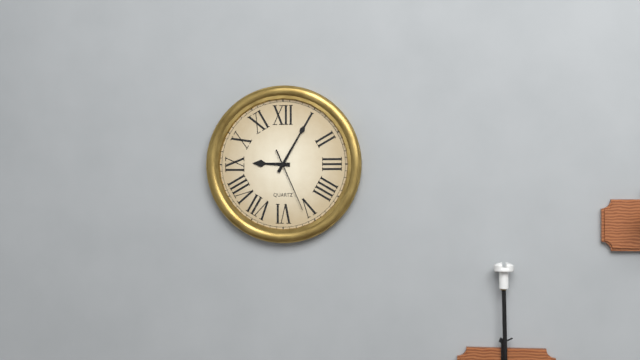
{"hour": 9, "minute": 5, "second": 26}
